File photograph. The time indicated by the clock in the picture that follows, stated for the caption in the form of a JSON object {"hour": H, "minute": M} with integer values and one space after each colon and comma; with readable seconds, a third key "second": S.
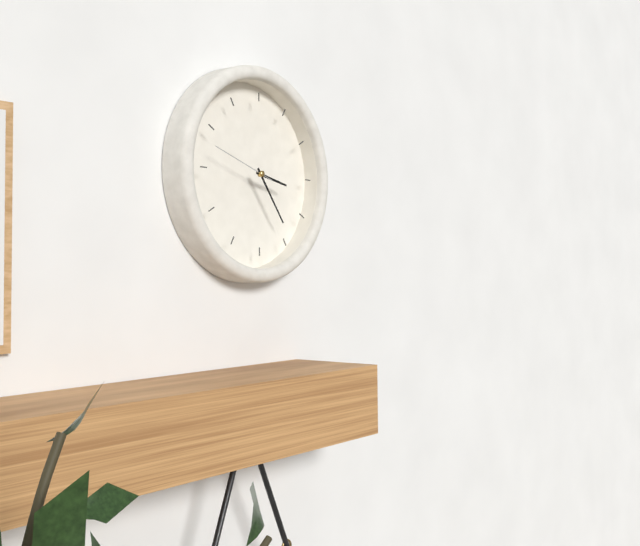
{"hour": 3, "minute": 24, "second": 48}
